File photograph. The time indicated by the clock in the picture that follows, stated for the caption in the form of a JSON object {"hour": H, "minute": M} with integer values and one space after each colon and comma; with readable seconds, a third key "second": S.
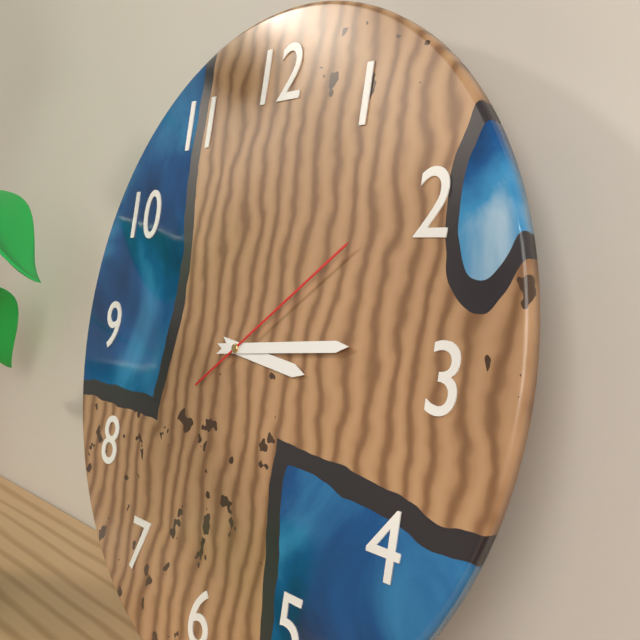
{"hour": 3, "minute": 14, "second": 9}
